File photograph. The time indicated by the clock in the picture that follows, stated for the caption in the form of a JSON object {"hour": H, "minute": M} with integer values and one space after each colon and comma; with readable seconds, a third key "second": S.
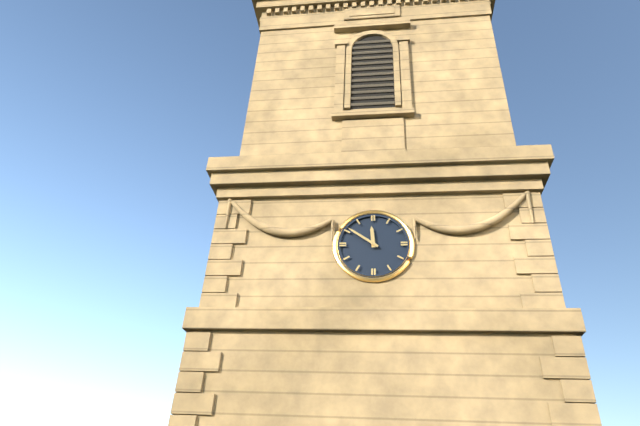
{"hour": 11, "minute": 51}
